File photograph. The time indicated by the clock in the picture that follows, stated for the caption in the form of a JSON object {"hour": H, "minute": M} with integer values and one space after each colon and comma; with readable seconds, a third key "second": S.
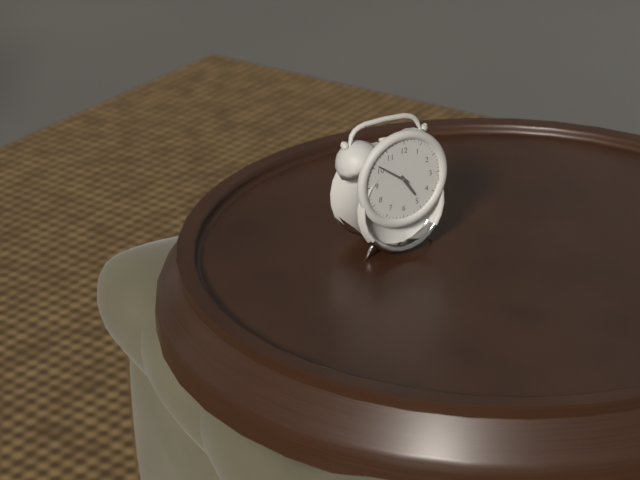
{"hour": 4, "minute": 51}
